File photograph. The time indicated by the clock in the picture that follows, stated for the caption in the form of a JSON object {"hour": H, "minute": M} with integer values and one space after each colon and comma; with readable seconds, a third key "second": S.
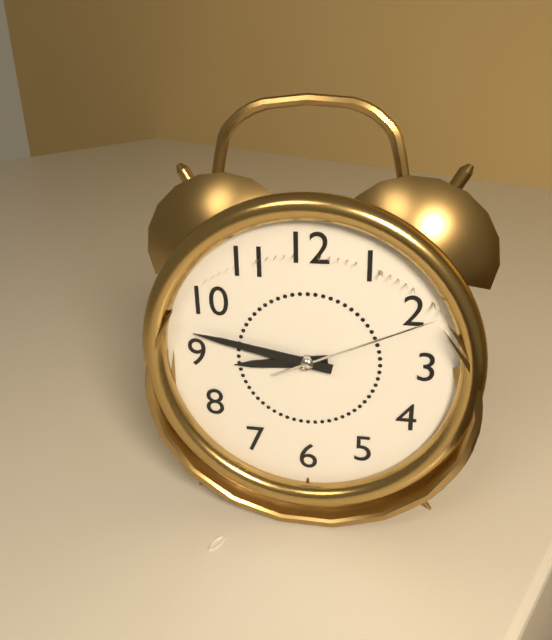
{"hour": 8, "minute": 47, "second": 11}
